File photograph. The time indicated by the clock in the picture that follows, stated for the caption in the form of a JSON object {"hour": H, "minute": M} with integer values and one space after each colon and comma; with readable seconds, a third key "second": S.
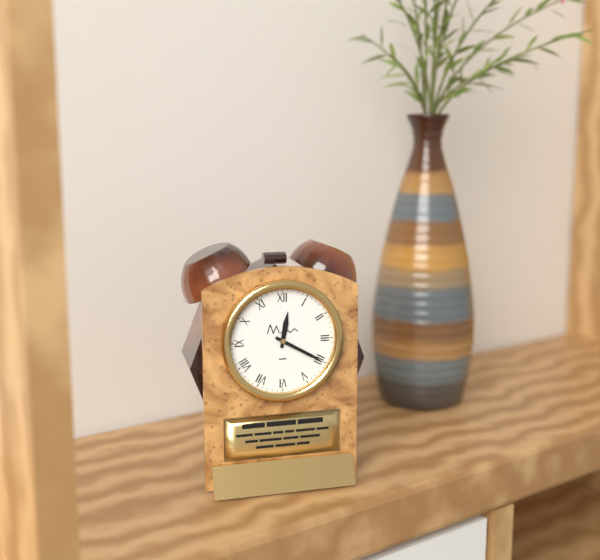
{"hour": 12, "minute": 20}
